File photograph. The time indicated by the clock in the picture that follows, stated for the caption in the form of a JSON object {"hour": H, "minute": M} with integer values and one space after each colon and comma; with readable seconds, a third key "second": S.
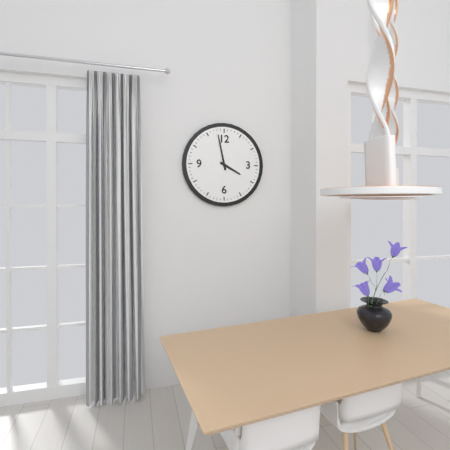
{"hour": 3, "minute": 58}
